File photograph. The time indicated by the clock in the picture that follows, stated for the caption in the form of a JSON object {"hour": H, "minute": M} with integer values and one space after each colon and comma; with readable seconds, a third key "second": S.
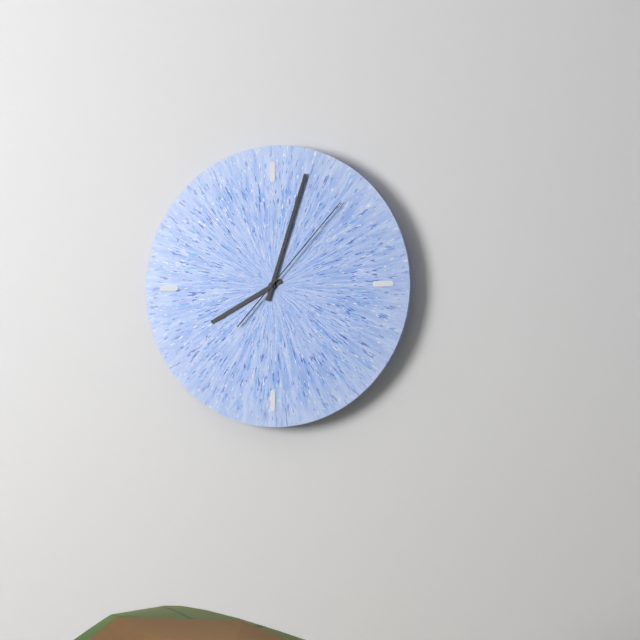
{"hour": 8, "minute": 3, "second": 7}
